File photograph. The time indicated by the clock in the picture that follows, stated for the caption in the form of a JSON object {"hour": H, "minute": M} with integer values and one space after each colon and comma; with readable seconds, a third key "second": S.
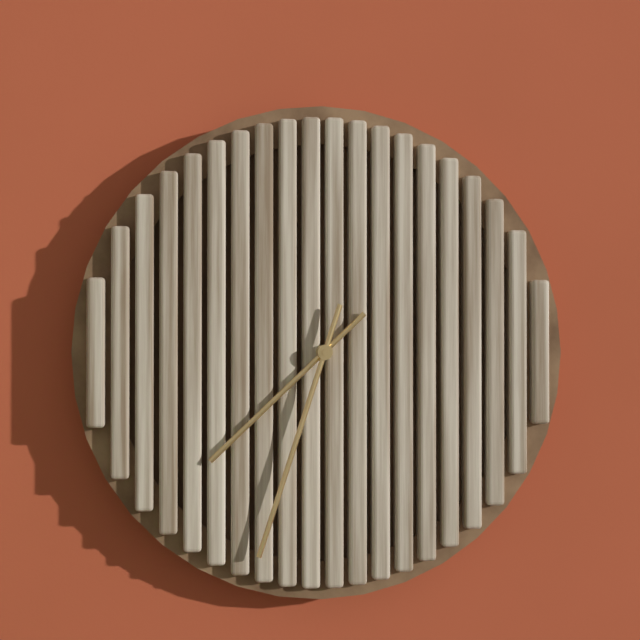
{"hour": 7, "minute": 33}
